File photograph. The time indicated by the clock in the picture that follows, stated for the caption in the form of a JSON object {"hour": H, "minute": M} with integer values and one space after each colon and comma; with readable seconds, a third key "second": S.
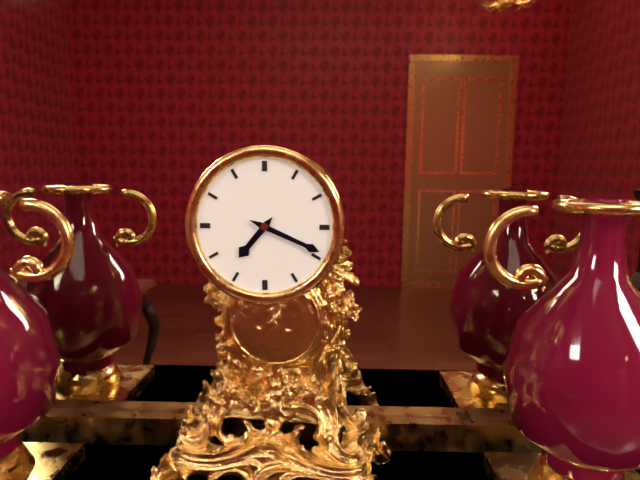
{"hour": 7, "minute": 19}
